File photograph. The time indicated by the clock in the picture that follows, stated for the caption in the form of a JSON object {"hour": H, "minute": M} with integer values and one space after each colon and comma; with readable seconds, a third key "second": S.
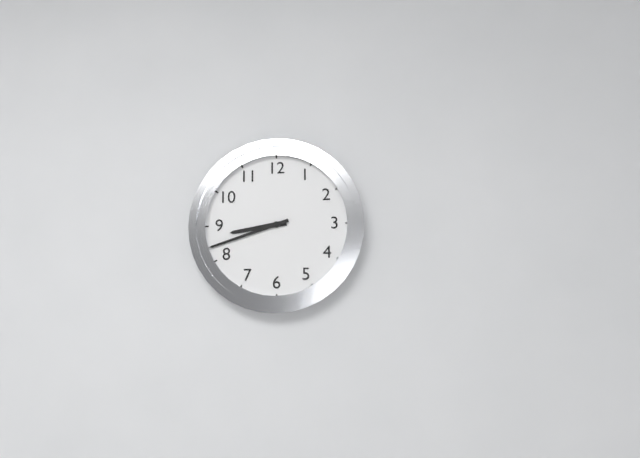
{"hour": 8, "minute": 42}
